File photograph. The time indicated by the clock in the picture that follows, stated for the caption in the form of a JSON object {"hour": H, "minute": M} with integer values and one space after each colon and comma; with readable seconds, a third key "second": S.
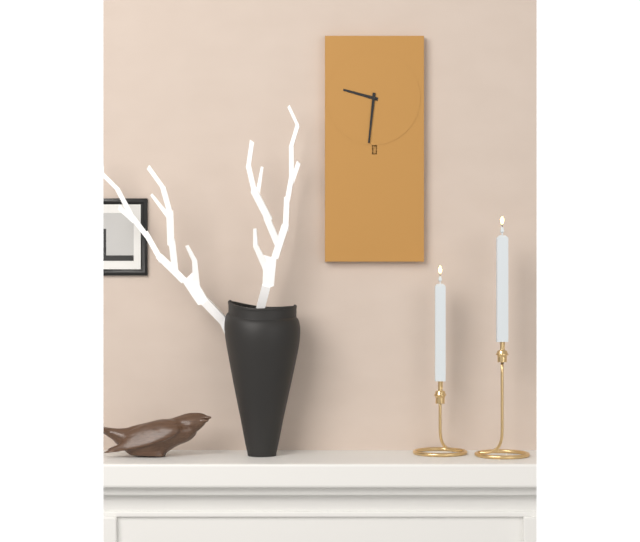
{"hour": 9, "minute": 31}
